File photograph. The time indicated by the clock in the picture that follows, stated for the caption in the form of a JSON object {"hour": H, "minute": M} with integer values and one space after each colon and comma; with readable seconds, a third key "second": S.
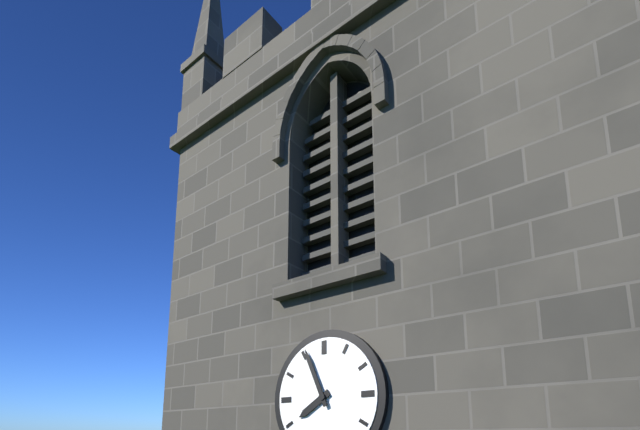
{"hour": 7, "minute": 56}
